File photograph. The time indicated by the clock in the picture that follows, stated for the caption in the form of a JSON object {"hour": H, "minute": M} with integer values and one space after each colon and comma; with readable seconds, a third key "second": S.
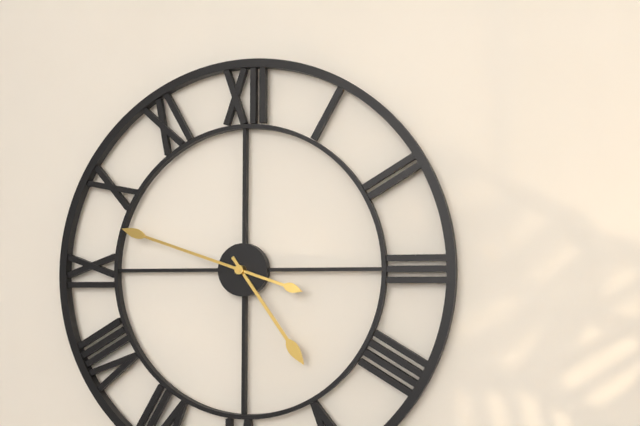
{"hour": 4, "minute": 48}
